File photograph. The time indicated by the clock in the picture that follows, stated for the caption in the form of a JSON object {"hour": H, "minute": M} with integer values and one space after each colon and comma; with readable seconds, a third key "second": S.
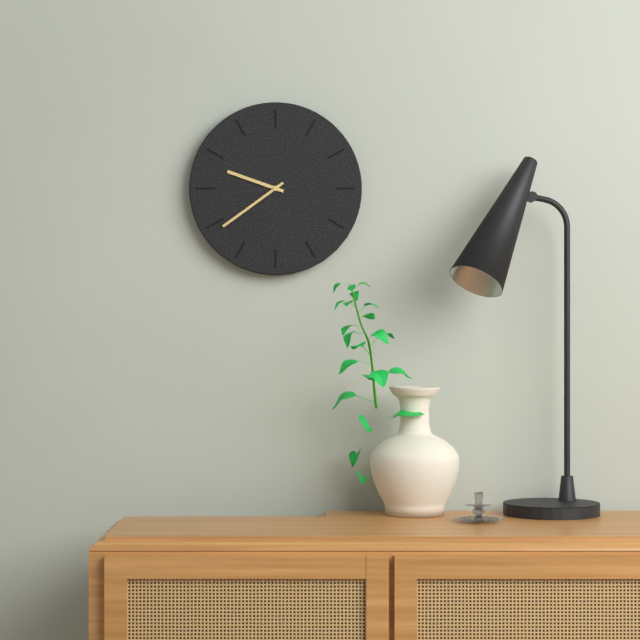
{"hour": 9, "minute": 39}
